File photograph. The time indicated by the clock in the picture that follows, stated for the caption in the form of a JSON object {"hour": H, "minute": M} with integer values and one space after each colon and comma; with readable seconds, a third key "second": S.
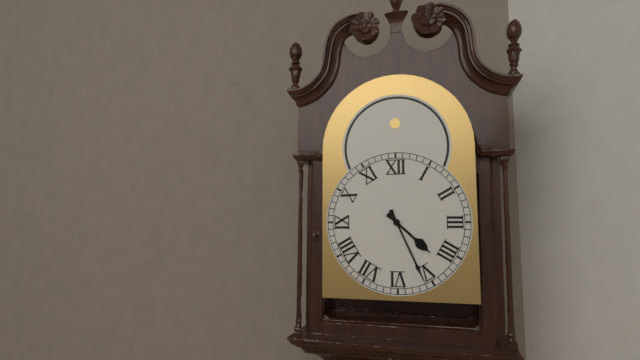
{"hour": 4, "minute": 26}
